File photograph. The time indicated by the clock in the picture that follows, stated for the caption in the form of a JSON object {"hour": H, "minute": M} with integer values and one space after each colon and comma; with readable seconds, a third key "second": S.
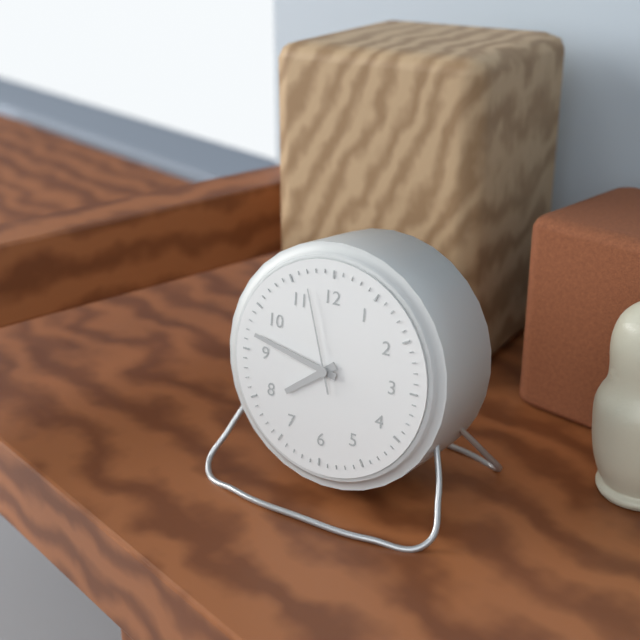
{"hour": 7, "minute": 47, "second": 57}
